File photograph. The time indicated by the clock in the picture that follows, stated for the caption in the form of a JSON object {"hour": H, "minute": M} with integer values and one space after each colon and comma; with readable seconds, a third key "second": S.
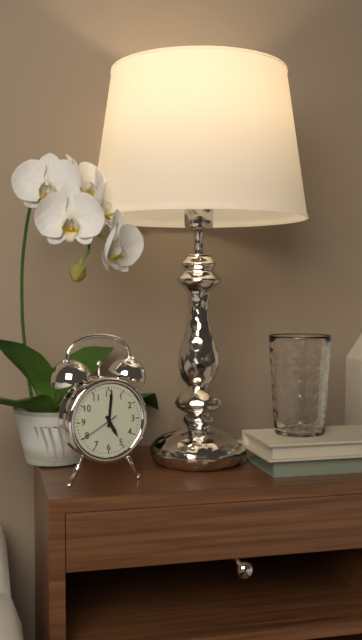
{"hour": 5, "minute": 1}
